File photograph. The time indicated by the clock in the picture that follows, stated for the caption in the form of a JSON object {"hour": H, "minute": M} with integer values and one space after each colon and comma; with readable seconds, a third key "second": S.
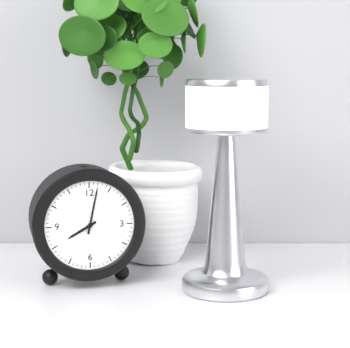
{"hour": 8, "minute": 2}
